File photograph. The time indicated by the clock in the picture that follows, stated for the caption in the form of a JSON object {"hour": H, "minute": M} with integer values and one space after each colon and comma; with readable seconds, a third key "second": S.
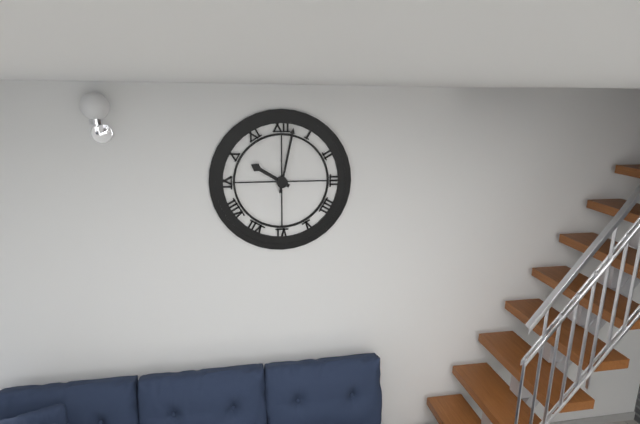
{"hour": 10, "minute": 2}
